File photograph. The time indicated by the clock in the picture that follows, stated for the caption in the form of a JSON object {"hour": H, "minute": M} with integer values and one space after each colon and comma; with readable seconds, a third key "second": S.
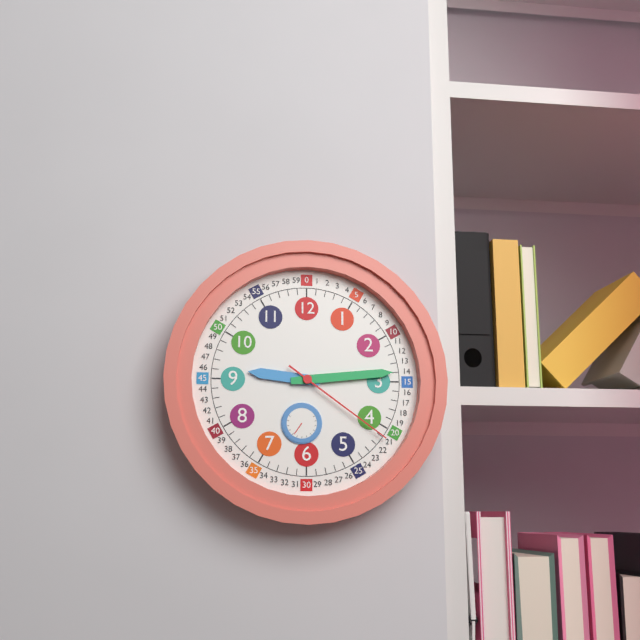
{"hour": 9, "minute": 14, "second": 21}
